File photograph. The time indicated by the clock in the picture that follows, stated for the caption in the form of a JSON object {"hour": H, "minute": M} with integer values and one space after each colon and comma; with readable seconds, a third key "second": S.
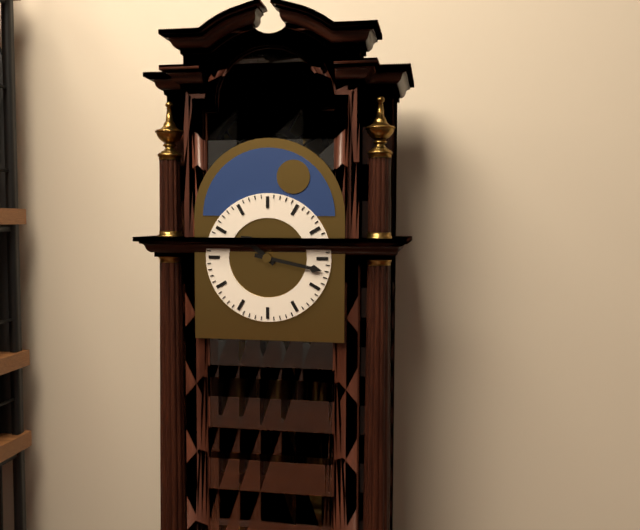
{"hour": 10, "minute": 17}
